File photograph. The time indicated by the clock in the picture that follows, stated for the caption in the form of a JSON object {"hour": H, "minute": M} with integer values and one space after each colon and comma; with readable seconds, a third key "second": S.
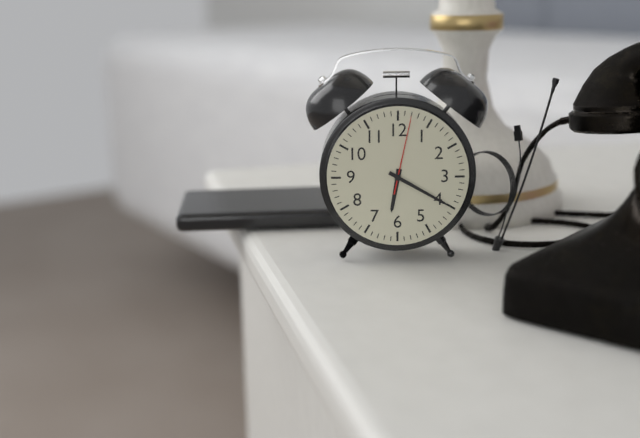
{"hour": 6, "minute": 20, "second": 2}
